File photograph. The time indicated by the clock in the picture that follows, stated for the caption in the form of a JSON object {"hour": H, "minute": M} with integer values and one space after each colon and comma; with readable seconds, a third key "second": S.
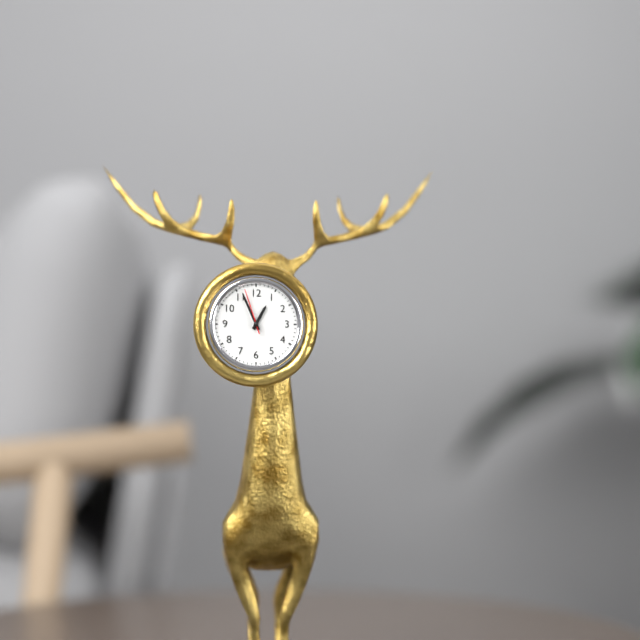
{"hour": 12, "minute": 56}
